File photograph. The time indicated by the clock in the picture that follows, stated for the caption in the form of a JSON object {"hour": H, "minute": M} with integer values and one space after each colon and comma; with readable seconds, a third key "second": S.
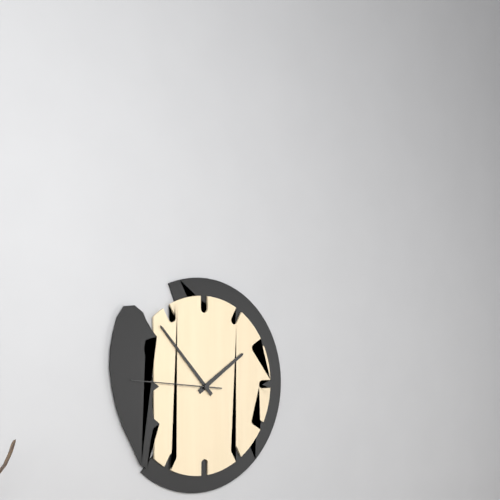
{"hour": 1, "minute": 53, "second": 46}
